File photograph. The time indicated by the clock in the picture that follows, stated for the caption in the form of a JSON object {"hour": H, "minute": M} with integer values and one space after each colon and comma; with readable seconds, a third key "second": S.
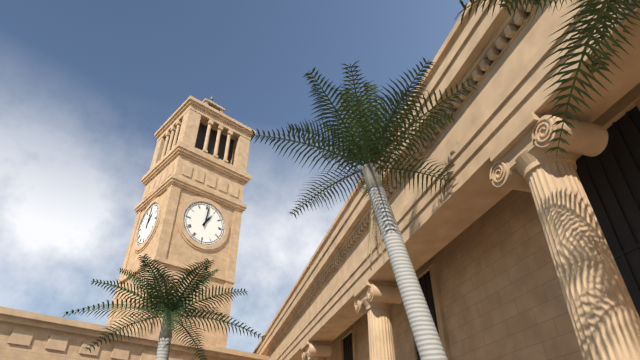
{"hour": 1, "minute": 1}
